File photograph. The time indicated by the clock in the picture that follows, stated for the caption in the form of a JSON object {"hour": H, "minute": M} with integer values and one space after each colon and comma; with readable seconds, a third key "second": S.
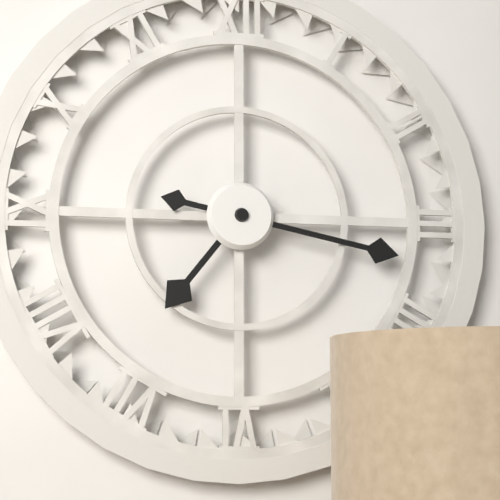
{"hour": 7, "minute": 17}
